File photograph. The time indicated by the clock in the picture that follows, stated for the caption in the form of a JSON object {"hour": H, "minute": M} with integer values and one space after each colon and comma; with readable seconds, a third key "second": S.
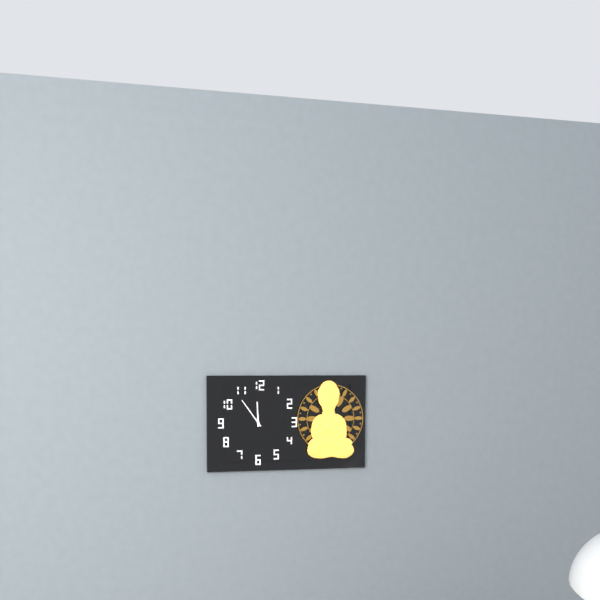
{"hour": 11, "minute": 54}
